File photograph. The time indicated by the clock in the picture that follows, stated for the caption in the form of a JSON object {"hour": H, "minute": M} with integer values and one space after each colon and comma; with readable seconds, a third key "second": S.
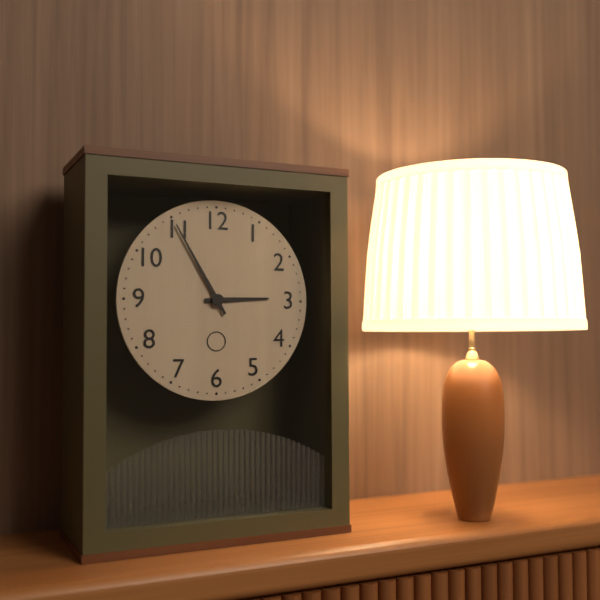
{"hour": 2, "minute": 55}
